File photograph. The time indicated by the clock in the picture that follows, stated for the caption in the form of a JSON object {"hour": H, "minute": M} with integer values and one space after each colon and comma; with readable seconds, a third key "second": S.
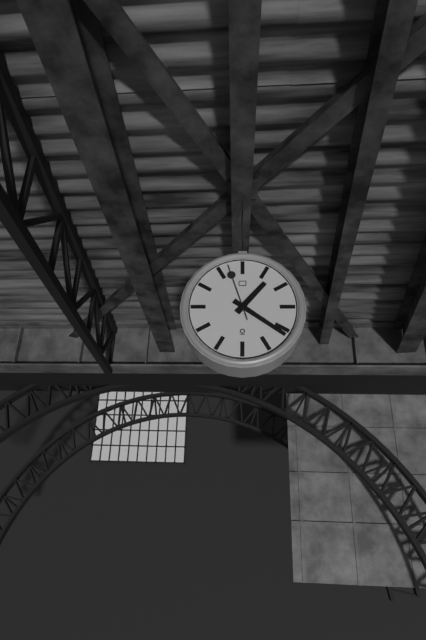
{"hour": 1, "minute": 21, "second": 57}
